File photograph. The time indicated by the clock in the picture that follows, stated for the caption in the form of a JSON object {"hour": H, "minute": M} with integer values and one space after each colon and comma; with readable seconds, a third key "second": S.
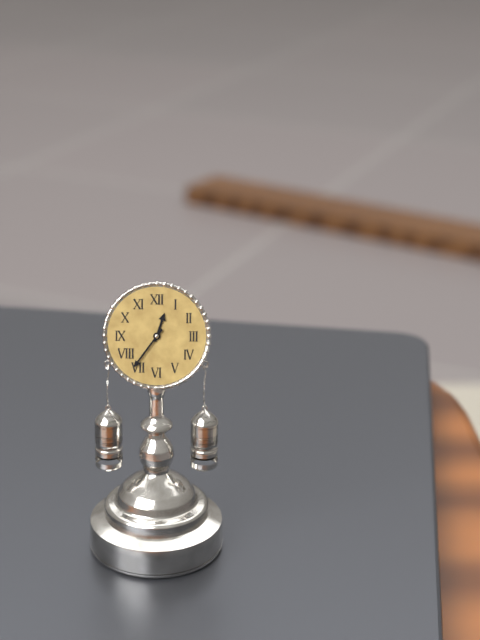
{"hour": 12, "minute": 36}
